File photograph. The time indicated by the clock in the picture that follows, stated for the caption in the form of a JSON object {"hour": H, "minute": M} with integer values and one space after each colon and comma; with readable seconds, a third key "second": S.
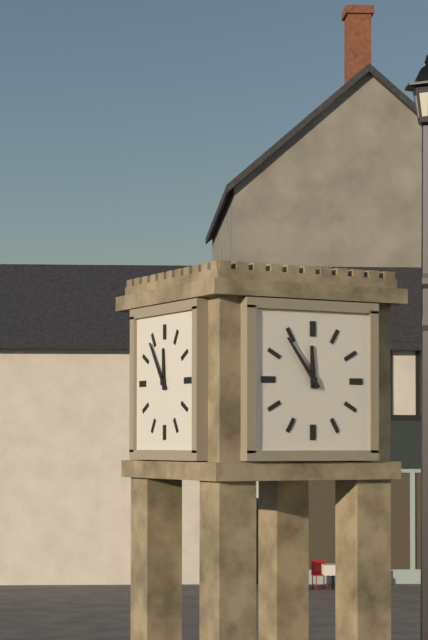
{"hour": 11, "minute": 54}
